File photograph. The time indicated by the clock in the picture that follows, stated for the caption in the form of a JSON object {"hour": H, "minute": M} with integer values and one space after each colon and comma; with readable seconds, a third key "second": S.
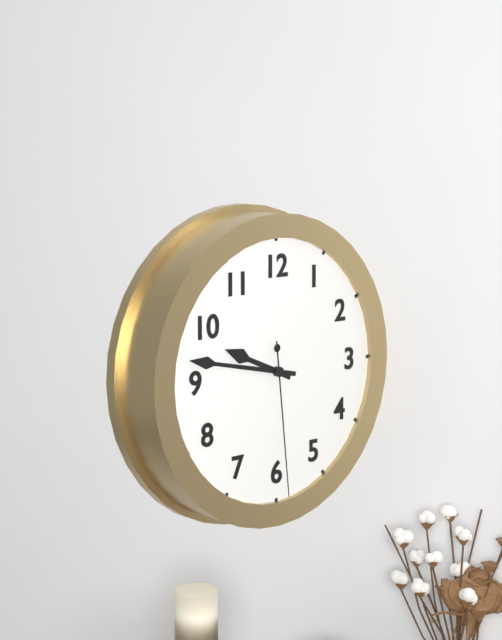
{"hour": 9, "minute": 47, "second": 29}
